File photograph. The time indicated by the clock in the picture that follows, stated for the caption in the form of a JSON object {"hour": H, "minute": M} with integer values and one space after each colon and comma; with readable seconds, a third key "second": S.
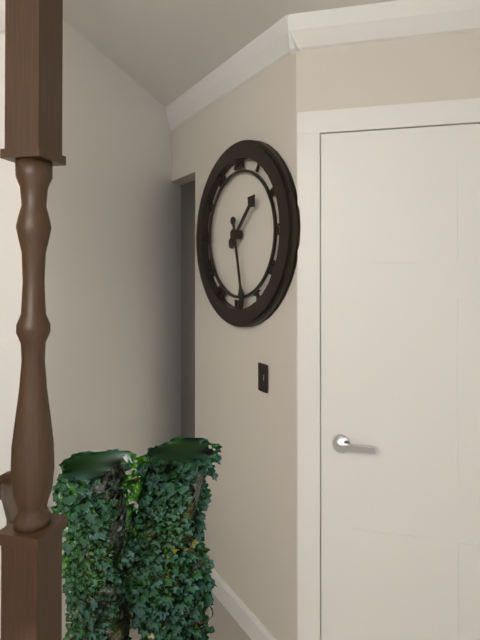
{"hour": 1, "minute": 28}
